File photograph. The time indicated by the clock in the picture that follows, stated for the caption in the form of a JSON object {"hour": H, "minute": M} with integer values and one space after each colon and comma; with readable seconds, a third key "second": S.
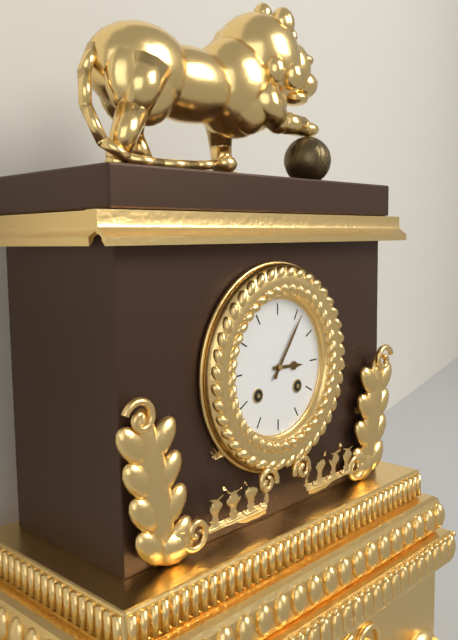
{"hour": 3, "minute": 6}
